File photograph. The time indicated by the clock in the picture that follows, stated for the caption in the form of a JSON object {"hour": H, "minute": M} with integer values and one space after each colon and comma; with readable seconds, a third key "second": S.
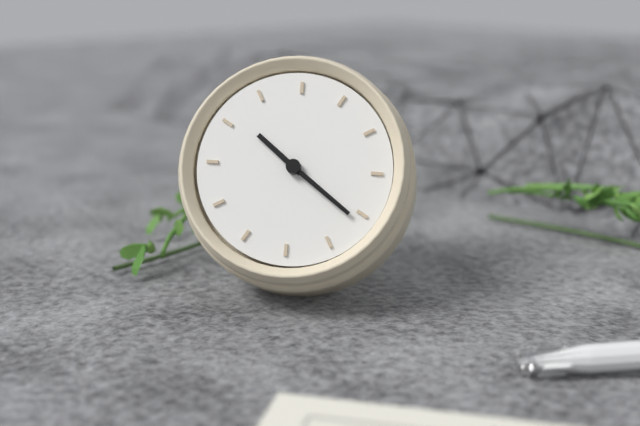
{"hour": 9, "minute": 16}
